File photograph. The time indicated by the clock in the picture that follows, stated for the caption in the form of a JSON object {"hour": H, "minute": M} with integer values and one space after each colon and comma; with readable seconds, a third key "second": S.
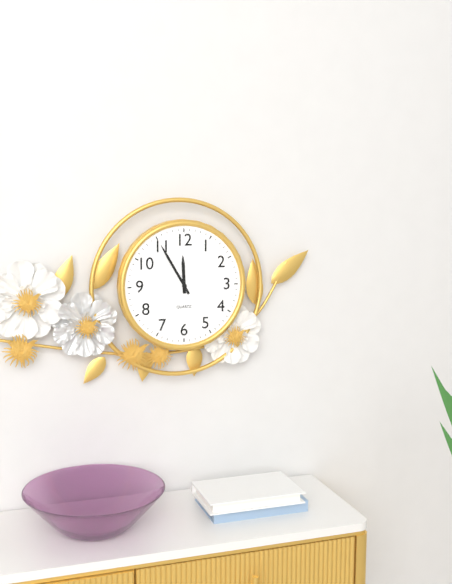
{"hour": 11, "minute": 55}
